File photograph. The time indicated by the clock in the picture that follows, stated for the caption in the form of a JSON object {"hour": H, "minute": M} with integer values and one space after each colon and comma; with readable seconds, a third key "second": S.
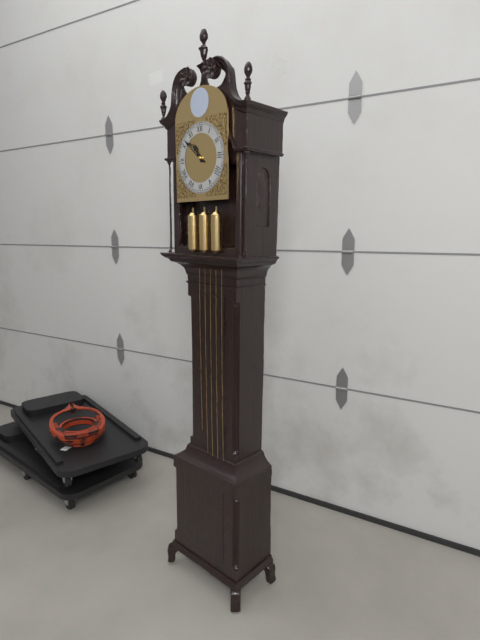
{"hour": 10, "minute": 52}
